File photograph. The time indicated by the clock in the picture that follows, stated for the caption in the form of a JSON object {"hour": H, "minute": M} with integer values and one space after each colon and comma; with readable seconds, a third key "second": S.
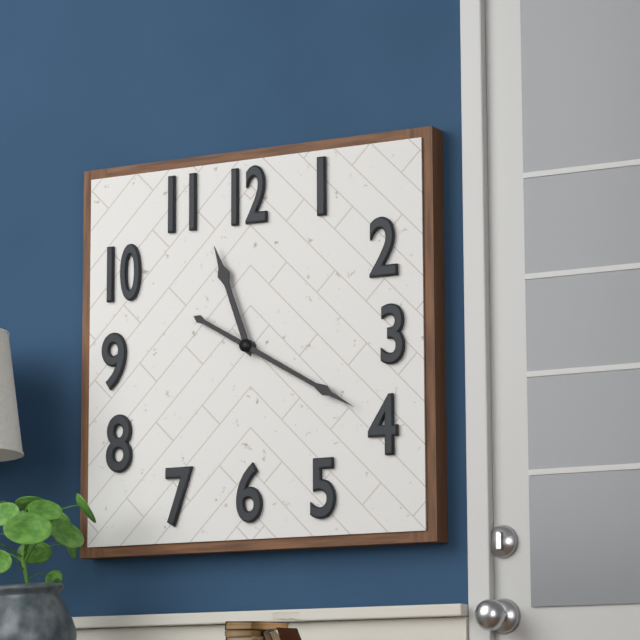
{"hour": 11, "minute": 20}
